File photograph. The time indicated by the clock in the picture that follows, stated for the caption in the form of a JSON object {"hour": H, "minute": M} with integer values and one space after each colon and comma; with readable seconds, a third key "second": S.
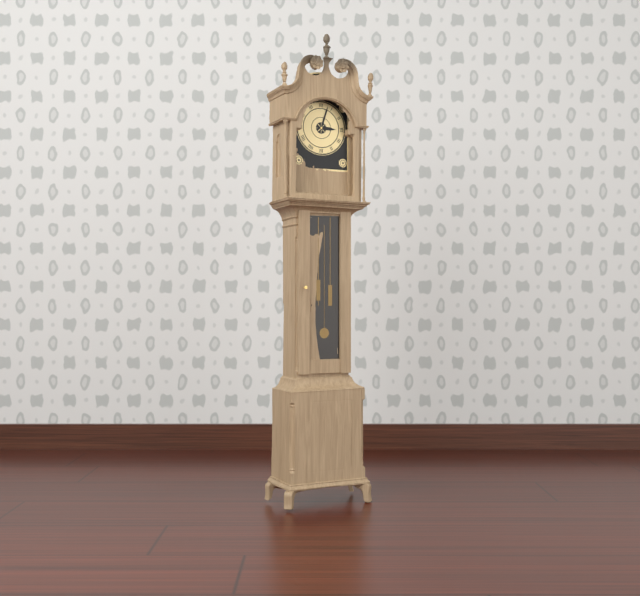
{"hour": 3, "minute": 3}
